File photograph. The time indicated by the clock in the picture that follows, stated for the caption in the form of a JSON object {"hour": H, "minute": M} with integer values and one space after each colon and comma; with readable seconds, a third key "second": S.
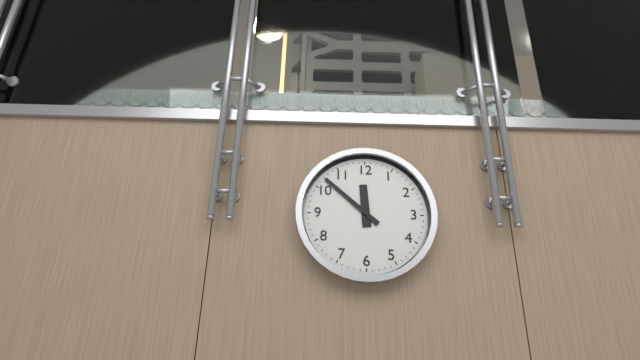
{"hour": 11, "minute": 52}
